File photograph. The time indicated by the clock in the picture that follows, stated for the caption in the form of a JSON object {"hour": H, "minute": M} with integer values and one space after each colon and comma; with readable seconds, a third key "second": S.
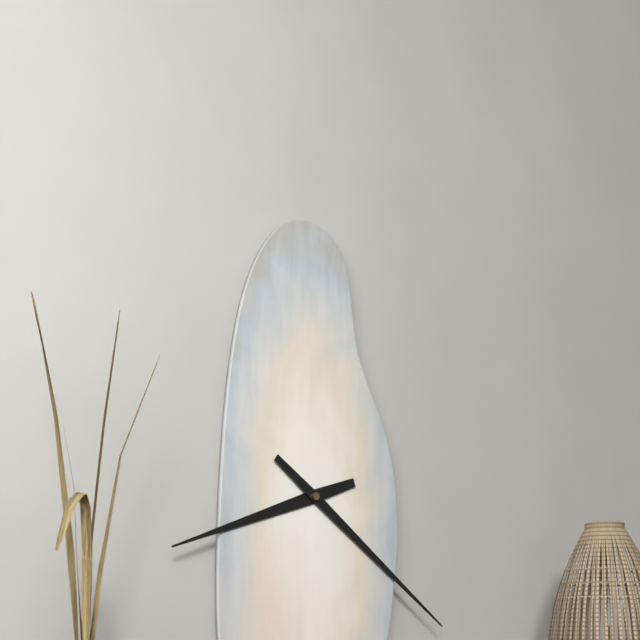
{"hour": 8, "minute": 21}
